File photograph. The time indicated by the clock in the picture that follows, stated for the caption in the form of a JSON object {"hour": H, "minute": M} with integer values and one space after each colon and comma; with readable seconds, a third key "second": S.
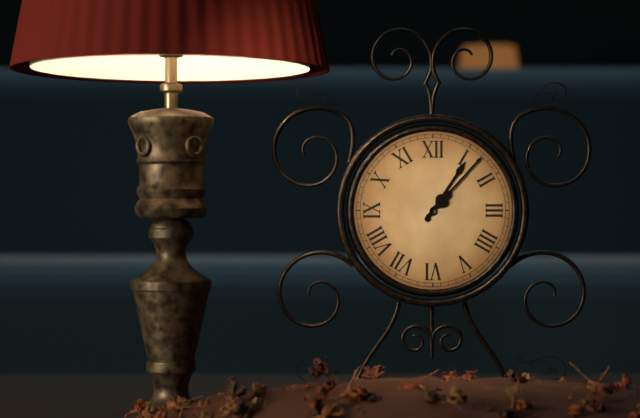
{"hour": 1, "minute": 7}
